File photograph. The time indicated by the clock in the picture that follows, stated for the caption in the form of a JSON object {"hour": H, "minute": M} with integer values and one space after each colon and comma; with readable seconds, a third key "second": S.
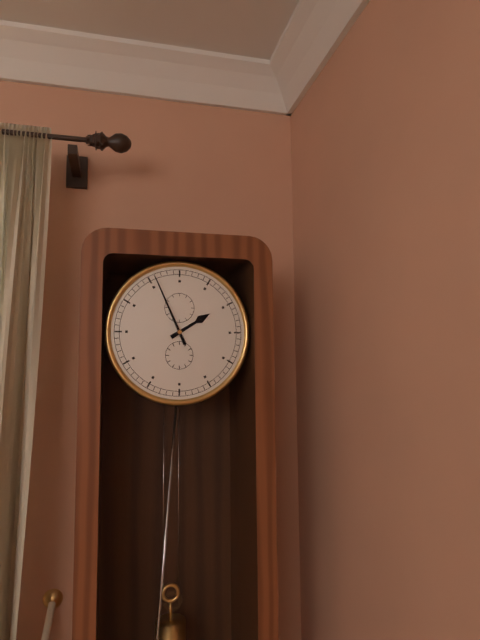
{"hour": 1, "minute": 56}
